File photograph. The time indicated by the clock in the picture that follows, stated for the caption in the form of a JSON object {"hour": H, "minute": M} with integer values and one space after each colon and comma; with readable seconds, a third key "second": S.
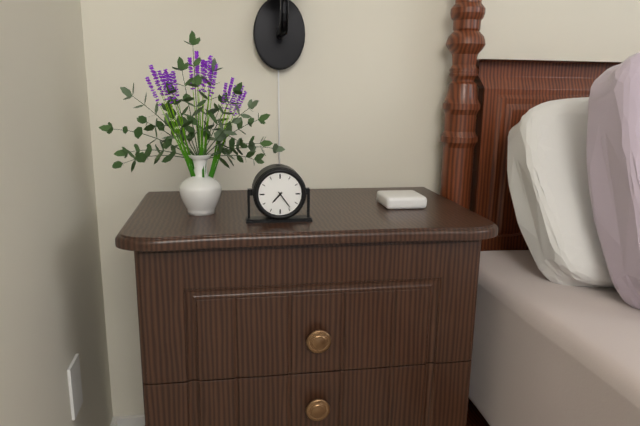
{"hour": 7, "minute": 24}
